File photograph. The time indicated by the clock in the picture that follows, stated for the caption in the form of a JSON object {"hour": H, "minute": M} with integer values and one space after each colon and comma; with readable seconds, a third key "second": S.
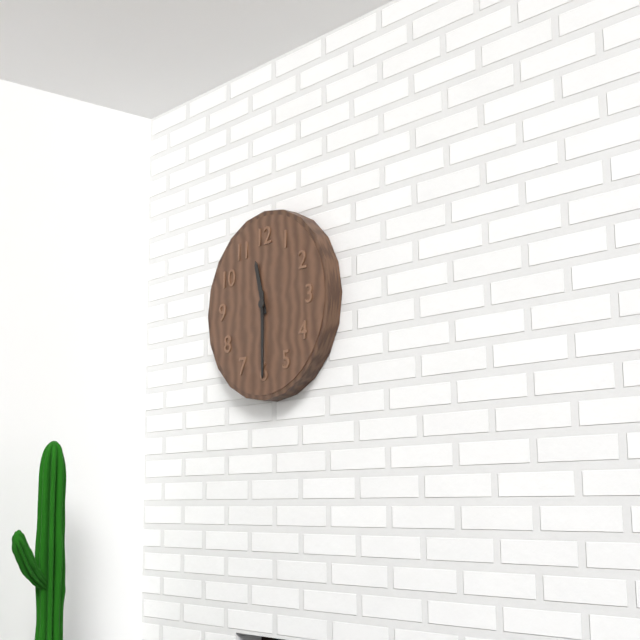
{"hour": 11, "minute": 30}
